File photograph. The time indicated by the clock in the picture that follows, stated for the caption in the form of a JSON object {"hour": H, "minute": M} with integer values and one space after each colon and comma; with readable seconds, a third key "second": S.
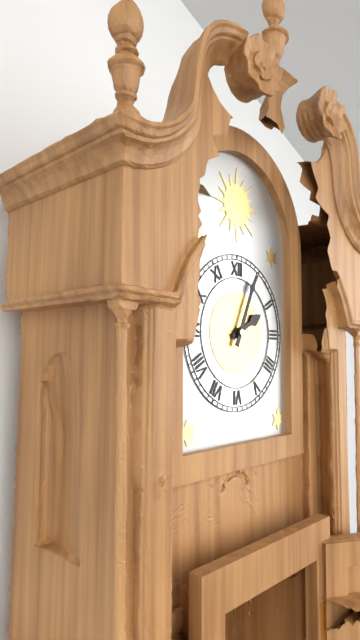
{"hour": 2, "minute": 4}
